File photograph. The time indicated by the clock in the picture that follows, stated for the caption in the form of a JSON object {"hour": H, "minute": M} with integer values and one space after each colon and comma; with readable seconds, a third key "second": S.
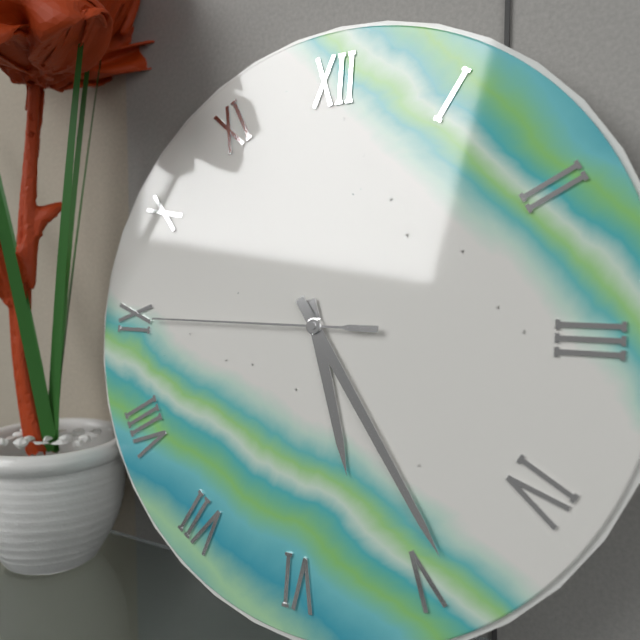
{"hour": 5, "minute": 24, "second": 45}
